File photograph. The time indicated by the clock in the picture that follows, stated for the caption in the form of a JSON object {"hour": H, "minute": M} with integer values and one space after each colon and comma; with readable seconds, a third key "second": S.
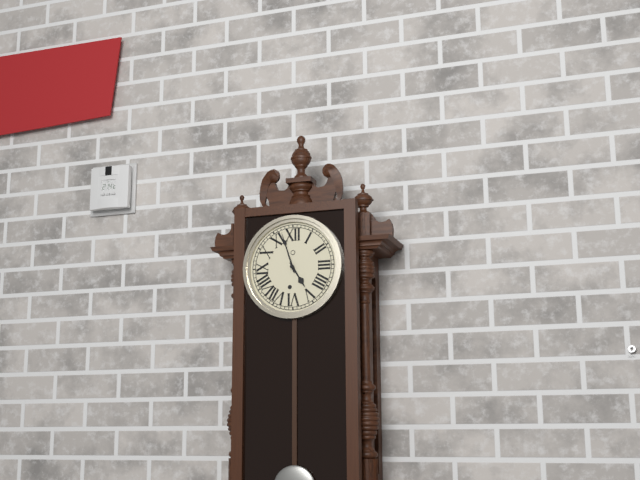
{"hour": 4, "minute": 57}
